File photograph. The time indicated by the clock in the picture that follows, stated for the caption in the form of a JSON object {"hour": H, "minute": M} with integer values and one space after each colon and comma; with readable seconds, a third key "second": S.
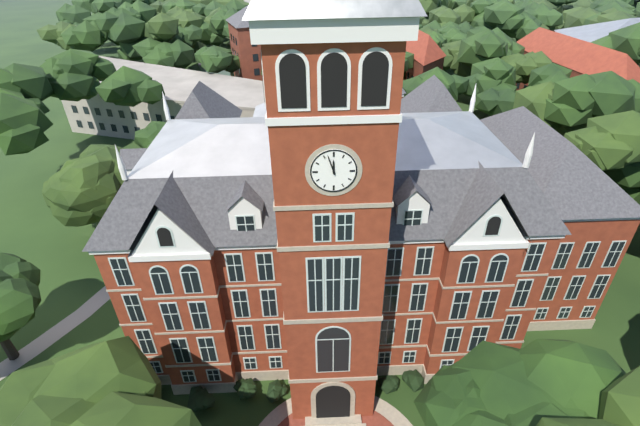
{"hour": 11, "minute": 57}
